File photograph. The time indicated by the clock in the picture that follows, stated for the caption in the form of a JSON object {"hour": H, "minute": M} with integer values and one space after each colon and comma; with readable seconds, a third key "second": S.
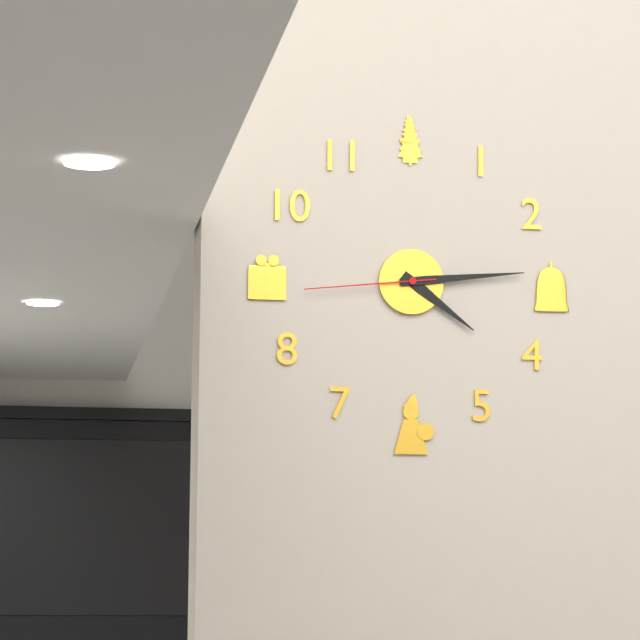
{"hour": 4, "minute": 14, "second": 44}
